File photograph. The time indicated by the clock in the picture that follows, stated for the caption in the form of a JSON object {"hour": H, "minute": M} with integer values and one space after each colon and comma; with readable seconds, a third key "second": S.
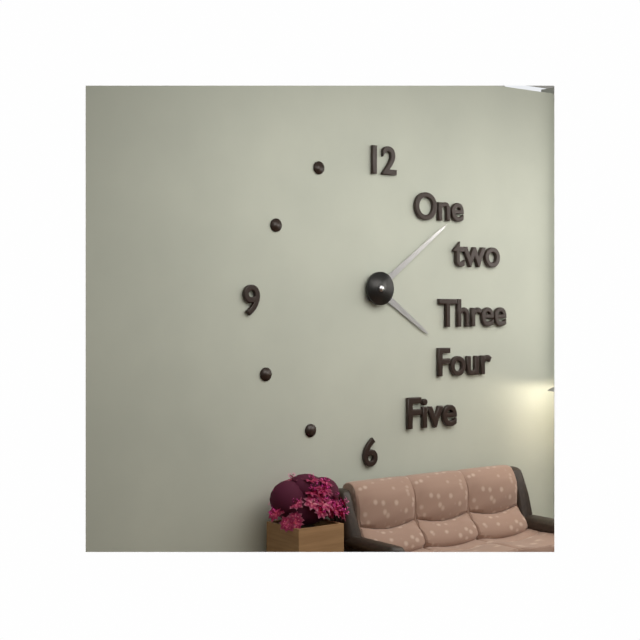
{"hour": 4, "minute": 9}
